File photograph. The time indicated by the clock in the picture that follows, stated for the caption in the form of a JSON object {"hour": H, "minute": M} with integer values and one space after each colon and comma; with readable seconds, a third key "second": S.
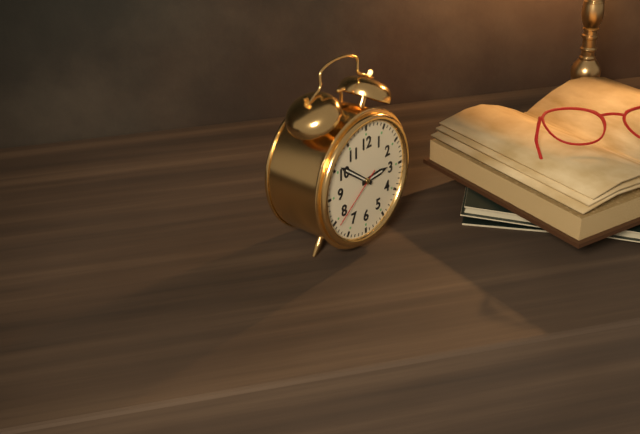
{"hour": 2, "minute": 51, "second": 39}
